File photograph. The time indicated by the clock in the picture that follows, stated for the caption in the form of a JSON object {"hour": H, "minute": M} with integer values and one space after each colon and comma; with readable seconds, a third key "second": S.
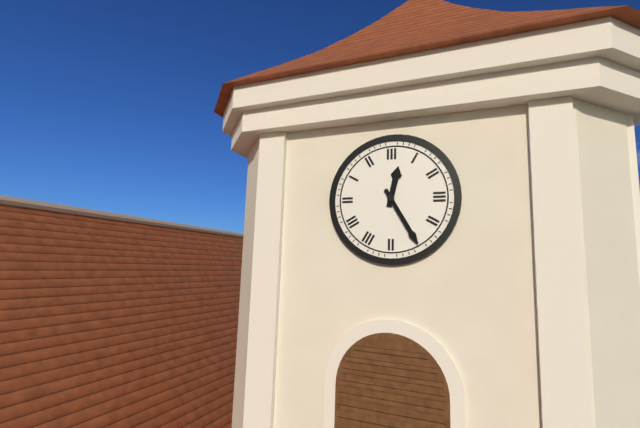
{"hour": 12, "minute": 25}
